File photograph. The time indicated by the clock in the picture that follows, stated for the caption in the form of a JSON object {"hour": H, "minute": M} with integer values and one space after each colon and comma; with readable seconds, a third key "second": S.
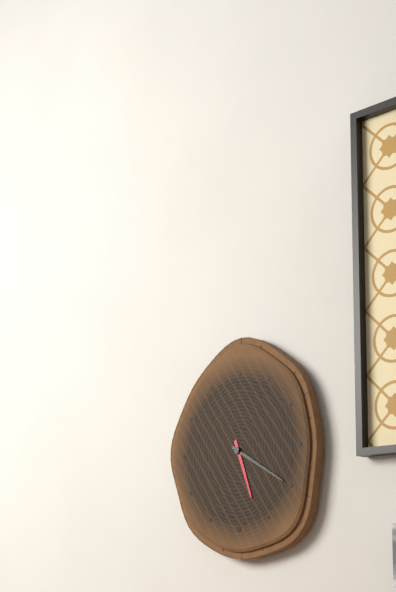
{"hour": 5, "minute": 20}
